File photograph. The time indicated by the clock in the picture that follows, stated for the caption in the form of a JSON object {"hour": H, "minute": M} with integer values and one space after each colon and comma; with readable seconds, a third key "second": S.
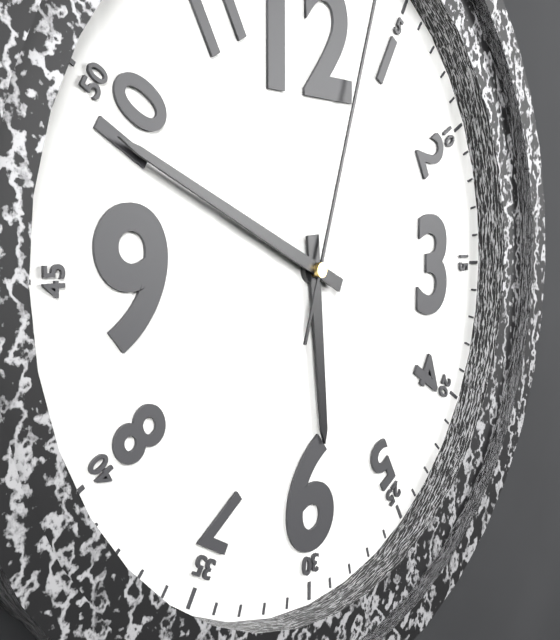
{"hour": 5, "minute": 49}
